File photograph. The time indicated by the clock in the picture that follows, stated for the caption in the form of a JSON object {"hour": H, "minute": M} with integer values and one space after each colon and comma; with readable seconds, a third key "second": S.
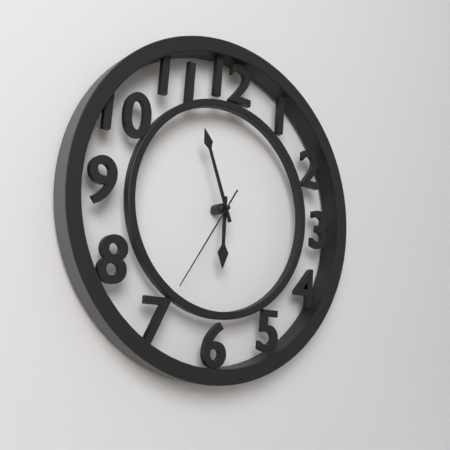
{"hour": 5, "minute": 56, "second": 35}
